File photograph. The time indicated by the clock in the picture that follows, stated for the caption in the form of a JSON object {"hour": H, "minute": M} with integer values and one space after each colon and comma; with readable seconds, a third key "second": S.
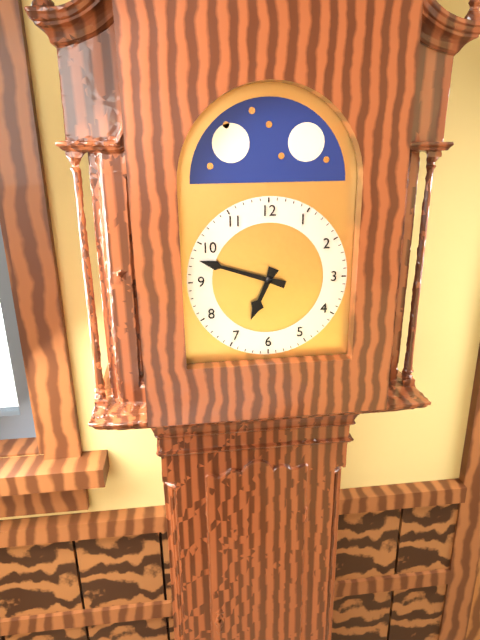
{"hour": 6, "minute": 48}
